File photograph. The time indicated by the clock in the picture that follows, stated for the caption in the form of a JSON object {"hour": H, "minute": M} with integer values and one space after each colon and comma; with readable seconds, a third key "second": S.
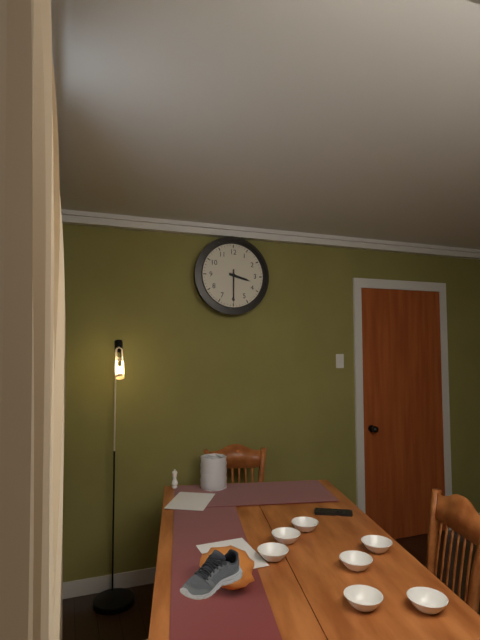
{"hour": 3, "minute": 30}
